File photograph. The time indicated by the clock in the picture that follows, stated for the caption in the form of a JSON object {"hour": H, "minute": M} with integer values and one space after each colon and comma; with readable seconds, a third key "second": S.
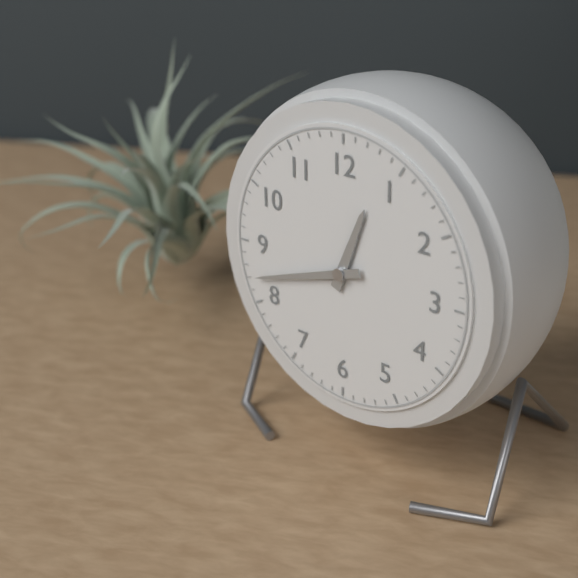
{"hour": 12, "minute": 42}
